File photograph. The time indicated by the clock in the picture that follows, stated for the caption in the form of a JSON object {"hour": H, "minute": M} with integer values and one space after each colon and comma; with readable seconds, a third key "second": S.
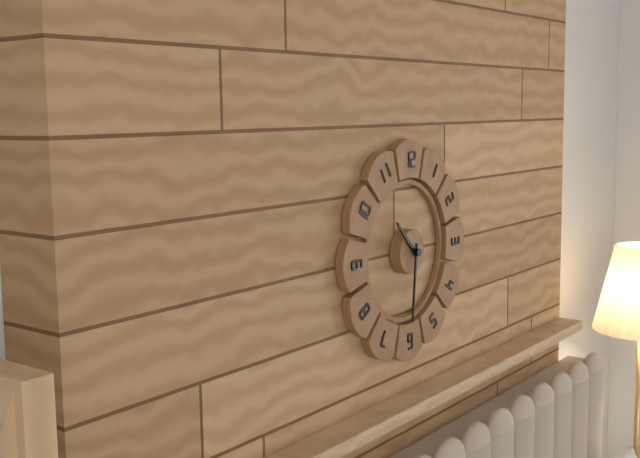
{"hour": 10, "minute": 31}
